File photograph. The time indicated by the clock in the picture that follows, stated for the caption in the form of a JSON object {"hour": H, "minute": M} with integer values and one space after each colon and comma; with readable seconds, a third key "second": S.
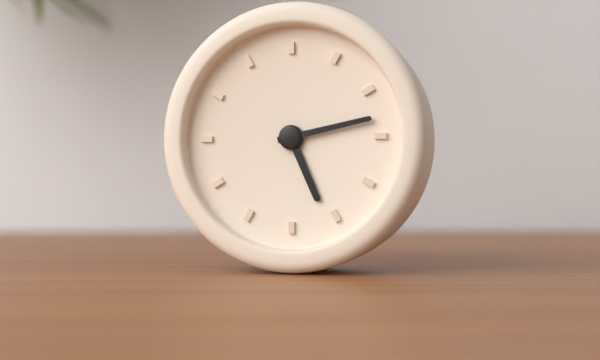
{"hour": 5, "minute": 13}
